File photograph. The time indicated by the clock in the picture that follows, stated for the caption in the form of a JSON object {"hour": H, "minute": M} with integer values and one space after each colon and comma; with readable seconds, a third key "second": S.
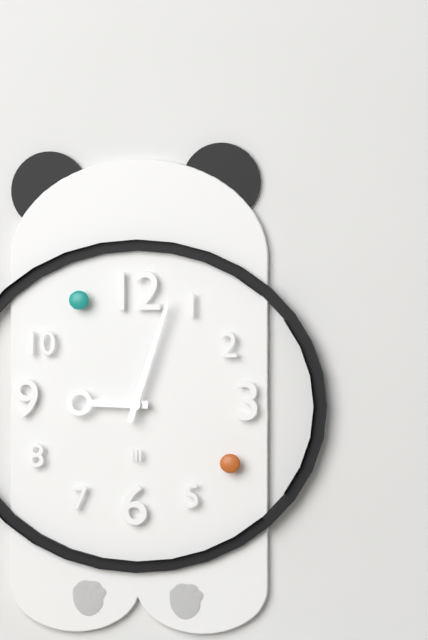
{"hour": 9, "minute": 3}
